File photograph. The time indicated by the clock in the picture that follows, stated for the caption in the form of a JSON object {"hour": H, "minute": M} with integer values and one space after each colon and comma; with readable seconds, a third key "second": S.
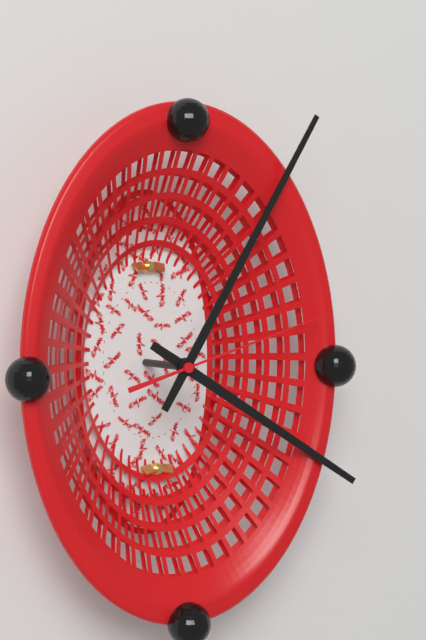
{"hour": 4, "minute": 5, "second": 12}
